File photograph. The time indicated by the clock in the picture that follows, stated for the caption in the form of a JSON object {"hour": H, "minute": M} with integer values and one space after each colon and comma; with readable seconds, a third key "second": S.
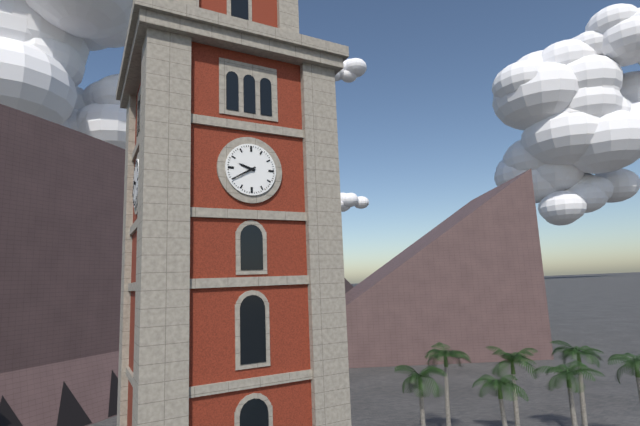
{"hour": 9, "minute": 40}
